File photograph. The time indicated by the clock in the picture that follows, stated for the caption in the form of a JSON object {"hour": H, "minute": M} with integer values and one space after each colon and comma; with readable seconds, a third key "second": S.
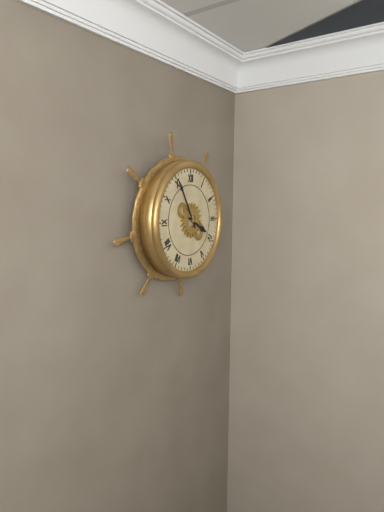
{"hour": 3, "minute": 55}
